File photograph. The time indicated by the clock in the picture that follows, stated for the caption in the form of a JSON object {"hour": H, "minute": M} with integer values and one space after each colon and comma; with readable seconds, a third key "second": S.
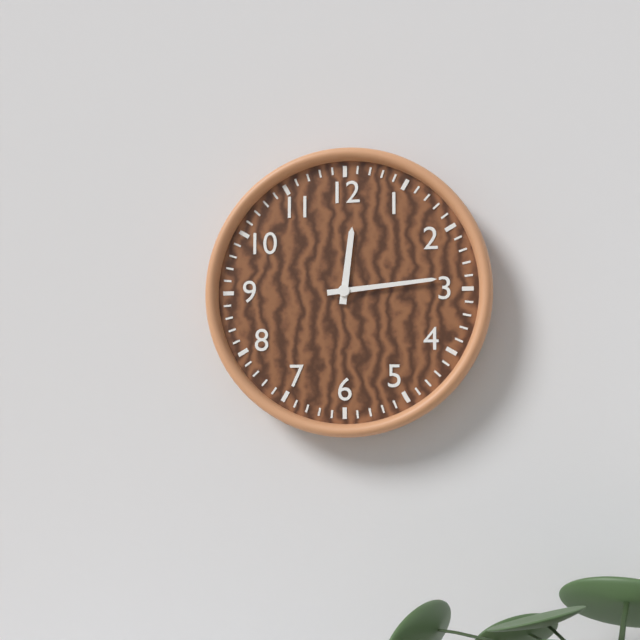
{"hour": 12, "minute": 14}
